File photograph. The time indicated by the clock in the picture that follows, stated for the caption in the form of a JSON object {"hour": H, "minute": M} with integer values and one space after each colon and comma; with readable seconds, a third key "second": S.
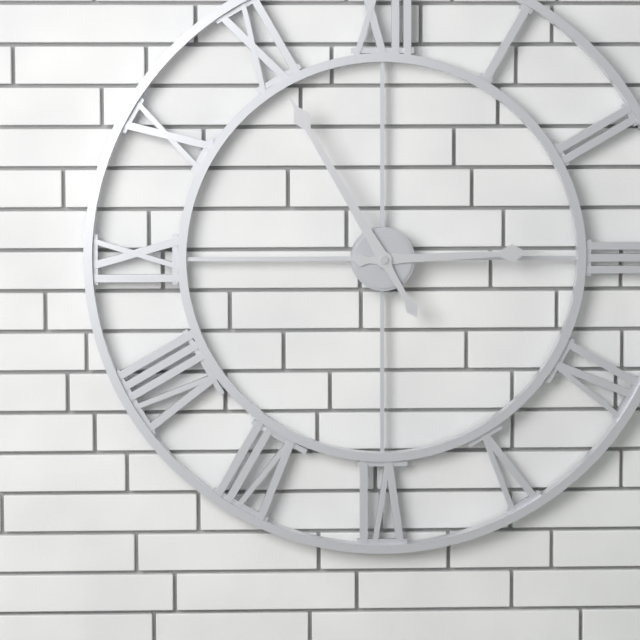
{"hour": 2, "minute": 55}
